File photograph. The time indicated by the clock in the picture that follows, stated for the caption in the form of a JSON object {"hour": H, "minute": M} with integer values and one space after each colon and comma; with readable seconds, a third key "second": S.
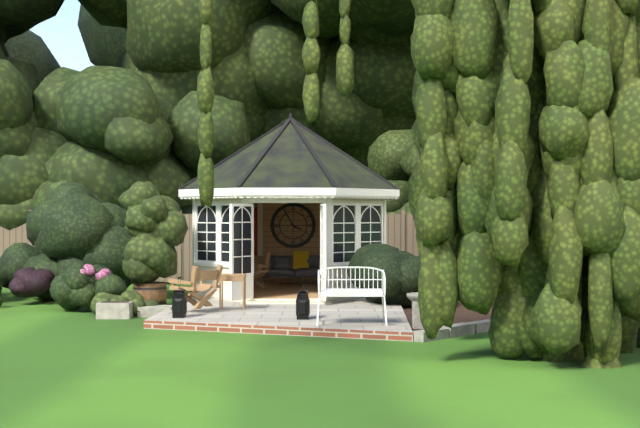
{"hour": 3, "minute": 55}
